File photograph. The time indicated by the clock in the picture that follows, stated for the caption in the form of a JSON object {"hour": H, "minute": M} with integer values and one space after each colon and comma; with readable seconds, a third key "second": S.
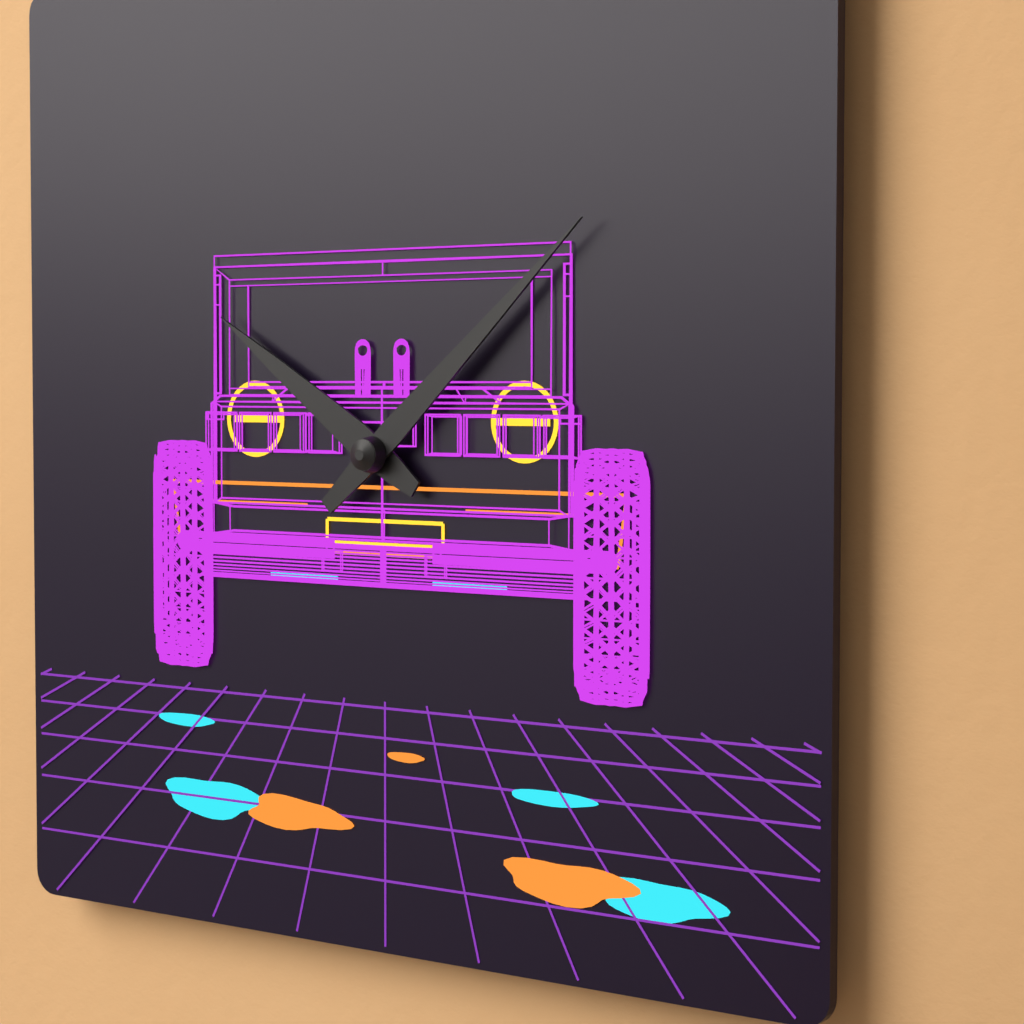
{"hour": 10, "minute": 8}
